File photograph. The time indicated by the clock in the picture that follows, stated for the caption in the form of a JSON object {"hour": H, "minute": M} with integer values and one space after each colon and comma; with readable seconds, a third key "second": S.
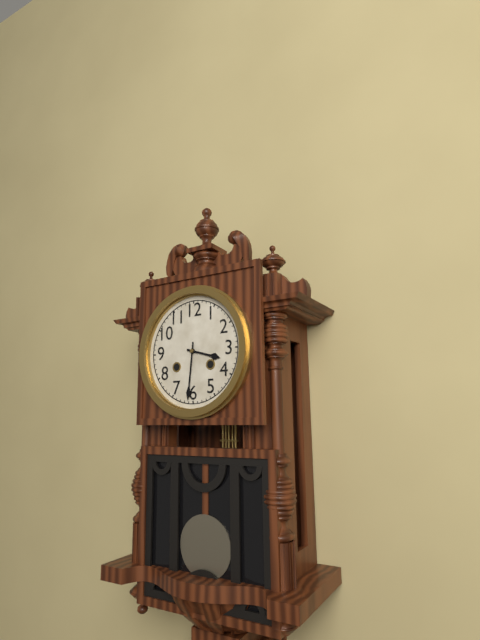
{"hour": 3, "minute": 31}
